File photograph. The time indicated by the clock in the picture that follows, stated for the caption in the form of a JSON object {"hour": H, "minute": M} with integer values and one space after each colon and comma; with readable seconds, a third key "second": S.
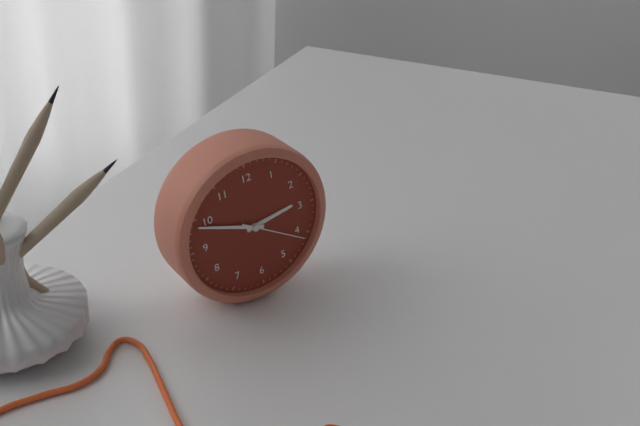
{"hour": 2, "minute": 49, "second": 21}
